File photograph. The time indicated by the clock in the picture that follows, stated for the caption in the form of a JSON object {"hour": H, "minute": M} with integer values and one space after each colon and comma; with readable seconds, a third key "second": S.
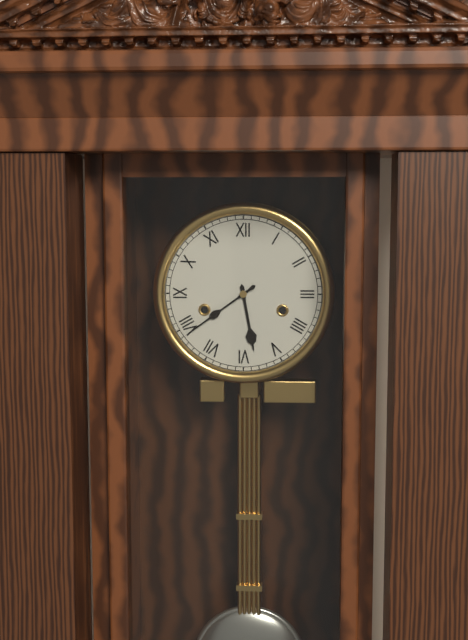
{"hour": 5, "minute": 39}
